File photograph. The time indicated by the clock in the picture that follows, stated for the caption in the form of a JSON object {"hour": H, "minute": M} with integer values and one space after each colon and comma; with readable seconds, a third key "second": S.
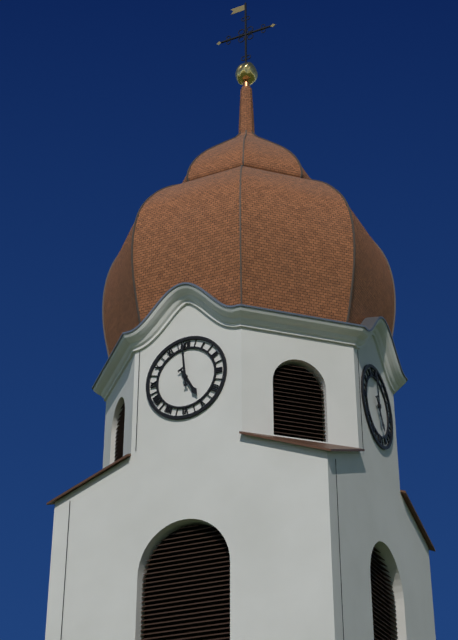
{"hour": 4, "minute": 59}
